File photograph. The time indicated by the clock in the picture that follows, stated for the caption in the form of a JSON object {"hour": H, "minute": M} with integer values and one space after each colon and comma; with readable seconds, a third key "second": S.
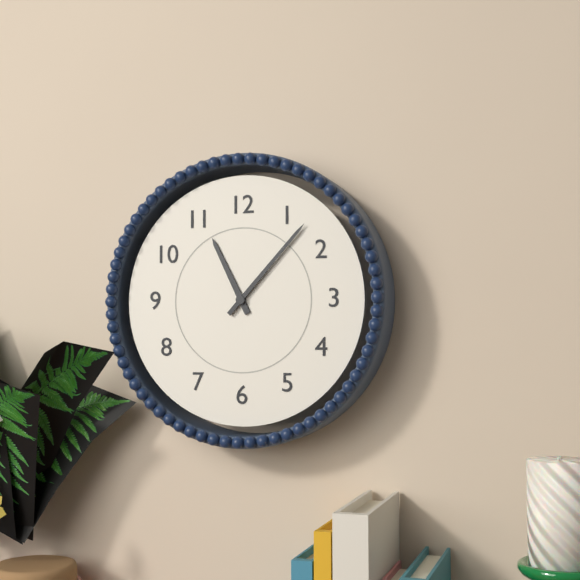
{"hour": 11, "minute": 7}
